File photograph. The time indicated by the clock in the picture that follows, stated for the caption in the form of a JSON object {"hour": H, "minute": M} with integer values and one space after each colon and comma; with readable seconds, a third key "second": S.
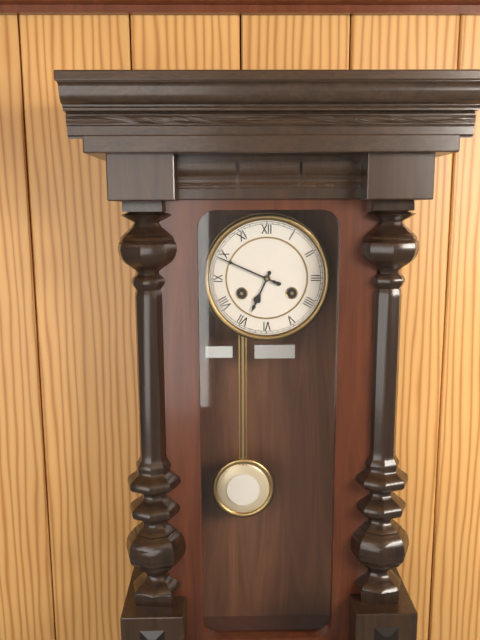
{"hour": 6, "minute": 49}
